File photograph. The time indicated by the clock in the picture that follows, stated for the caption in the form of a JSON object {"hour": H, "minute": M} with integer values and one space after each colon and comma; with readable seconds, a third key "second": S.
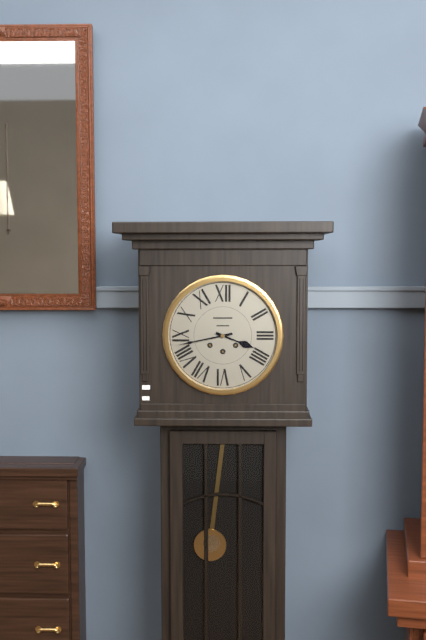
{"hour": 3, "minute": 43}
